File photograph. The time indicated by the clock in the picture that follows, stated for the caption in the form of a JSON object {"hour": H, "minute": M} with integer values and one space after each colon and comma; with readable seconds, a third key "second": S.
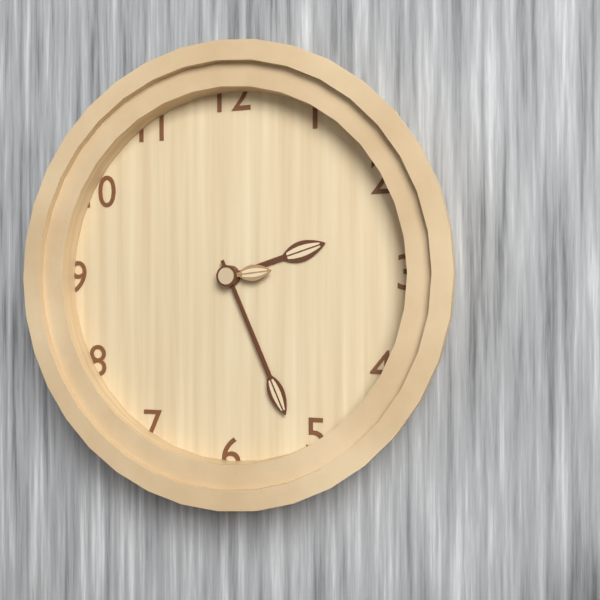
{"hour": 2, "minute": 26, "second": 14}
